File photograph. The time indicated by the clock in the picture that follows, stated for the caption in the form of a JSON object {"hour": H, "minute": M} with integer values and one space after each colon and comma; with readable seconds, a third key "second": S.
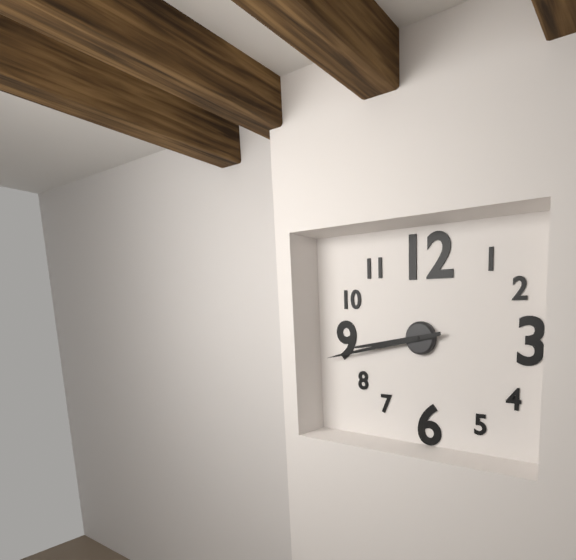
{"hour": 8, "minute": 43}
